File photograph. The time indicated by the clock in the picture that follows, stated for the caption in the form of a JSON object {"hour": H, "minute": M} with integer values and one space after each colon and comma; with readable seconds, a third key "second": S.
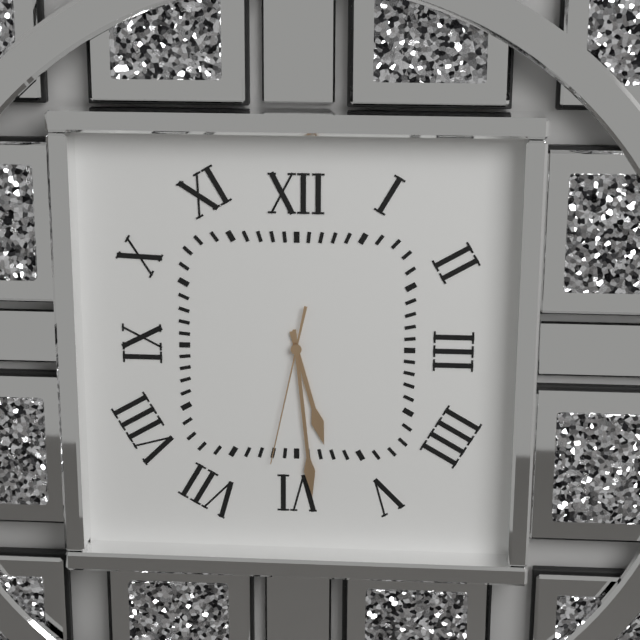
{"hour": 5, "minute": 29, "second": 32}
